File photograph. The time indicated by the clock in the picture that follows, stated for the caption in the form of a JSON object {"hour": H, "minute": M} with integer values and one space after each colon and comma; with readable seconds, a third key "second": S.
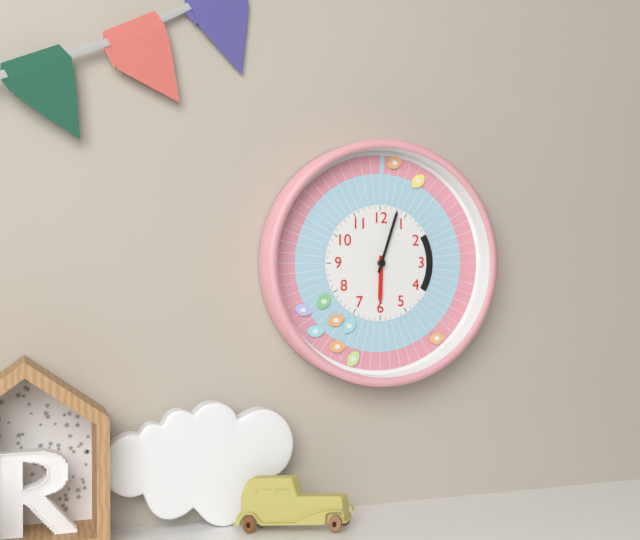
{"hour": 6, "minute": 3}
